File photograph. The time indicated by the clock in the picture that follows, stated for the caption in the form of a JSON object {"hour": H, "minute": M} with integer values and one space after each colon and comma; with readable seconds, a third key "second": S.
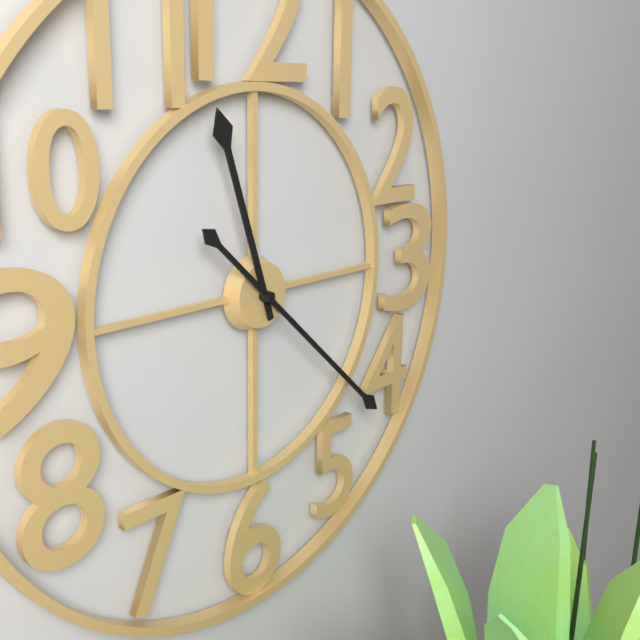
{"hour": 11, "minute": 22}
